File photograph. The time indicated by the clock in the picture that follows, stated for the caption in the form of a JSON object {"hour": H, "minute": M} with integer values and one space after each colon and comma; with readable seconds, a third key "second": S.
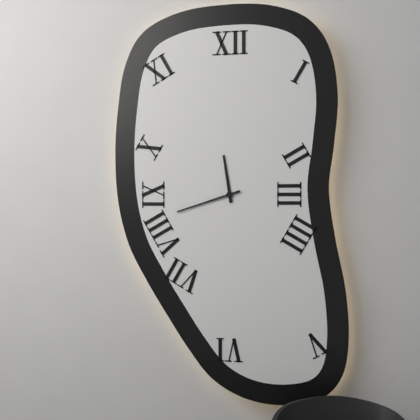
{"hour": 11, "minute": 42}
